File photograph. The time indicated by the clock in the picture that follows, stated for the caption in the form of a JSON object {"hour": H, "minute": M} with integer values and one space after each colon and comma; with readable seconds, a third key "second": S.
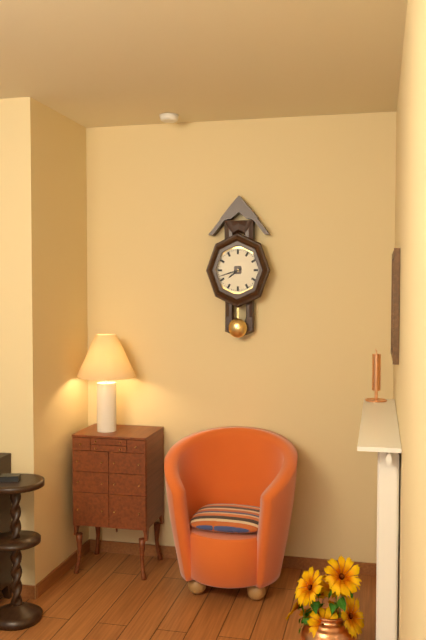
{"hour": 7, "minute": 42}
